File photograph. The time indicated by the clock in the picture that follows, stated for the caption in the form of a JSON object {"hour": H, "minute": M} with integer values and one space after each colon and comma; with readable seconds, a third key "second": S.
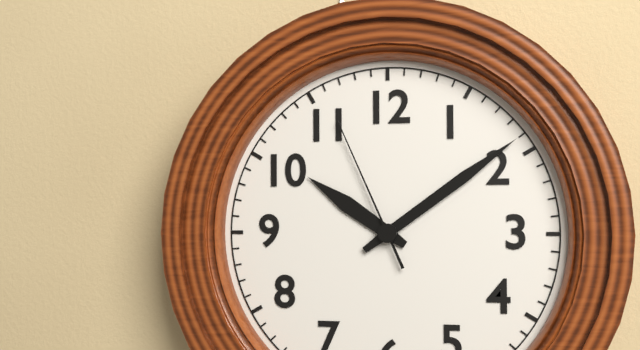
{"hour": 10, "minute": 9, "second": 56}
